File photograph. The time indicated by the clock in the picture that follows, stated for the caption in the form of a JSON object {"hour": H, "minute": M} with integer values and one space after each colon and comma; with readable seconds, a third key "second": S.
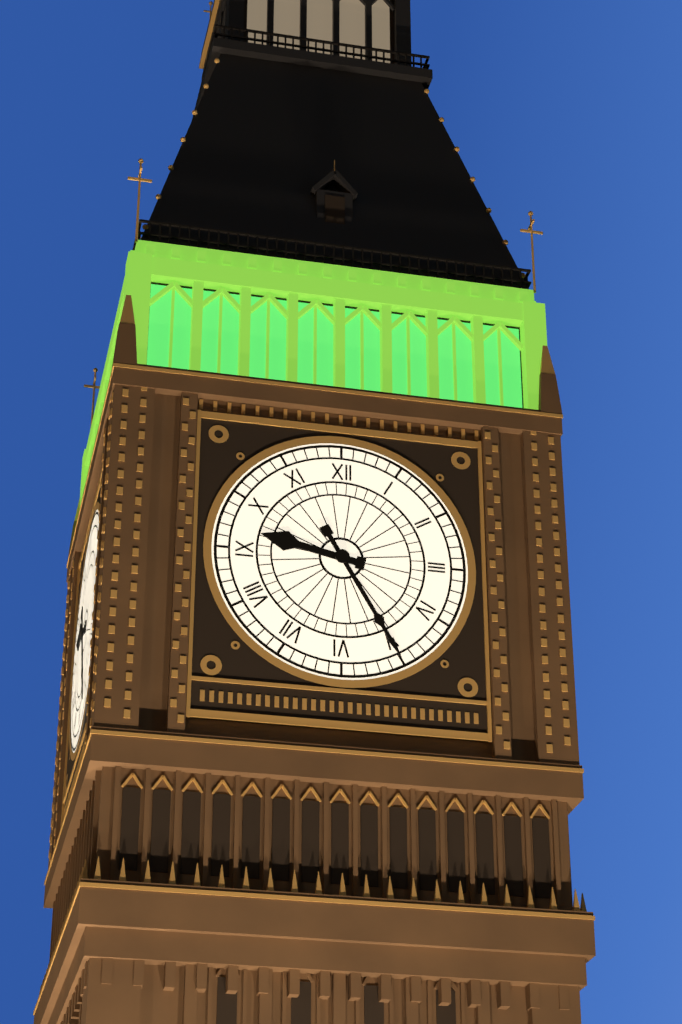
{"hour": 9, "minute": 25}
